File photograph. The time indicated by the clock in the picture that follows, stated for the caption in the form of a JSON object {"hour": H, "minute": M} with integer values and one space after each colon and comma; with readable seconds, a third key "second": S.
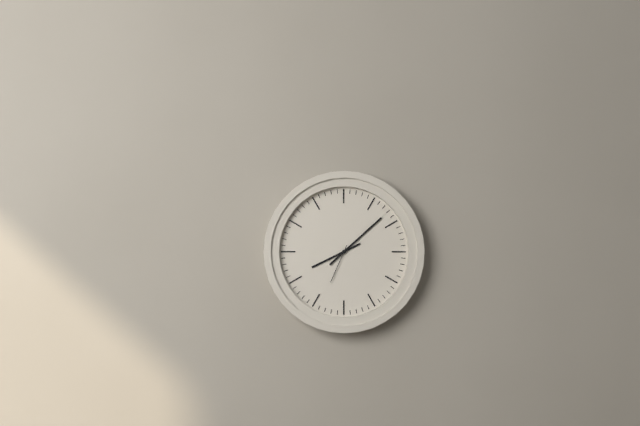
{"hour": 8, "minute": 8}
